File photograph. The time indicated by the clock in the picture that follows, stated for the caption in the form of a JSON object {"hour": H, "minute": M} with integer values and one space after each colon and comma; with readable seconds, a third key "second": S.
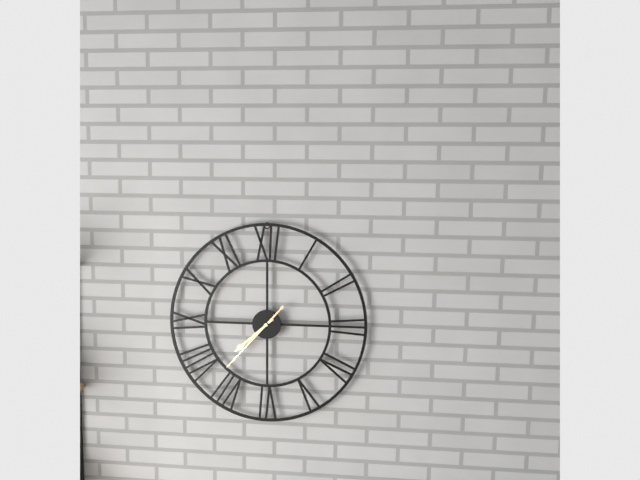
{"hour": 7, "minute": 37}
